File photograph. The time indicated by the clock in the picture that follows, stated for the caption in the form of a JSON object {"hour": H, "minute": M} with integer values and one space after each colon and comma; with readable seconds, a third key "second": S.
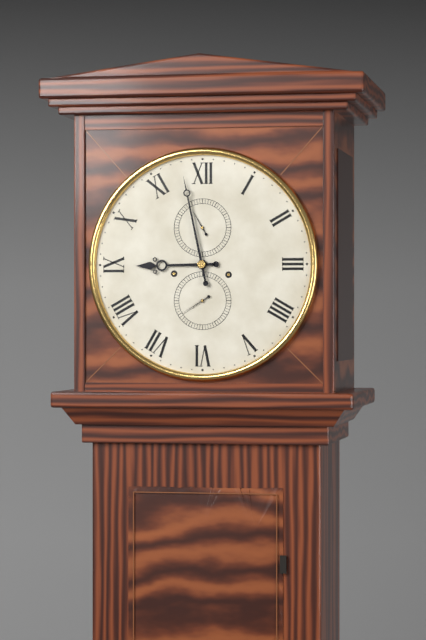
{"hour": 8, "minute": 58}
